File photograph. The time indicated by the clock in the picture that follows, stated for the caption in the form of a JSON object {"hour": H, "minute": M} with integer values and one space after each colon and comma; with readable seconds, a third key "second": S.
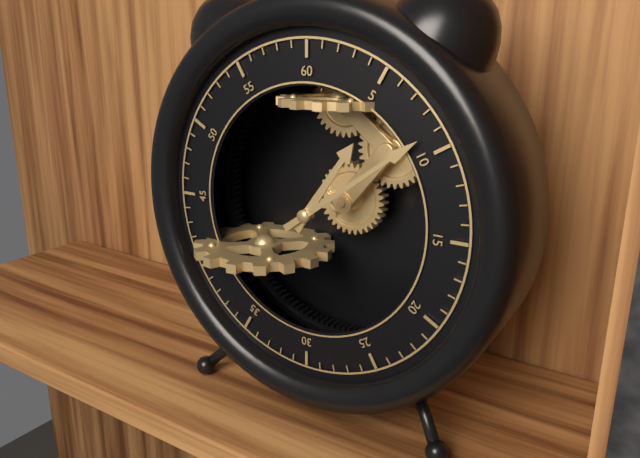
{"hour": 1, "minute": 9}
